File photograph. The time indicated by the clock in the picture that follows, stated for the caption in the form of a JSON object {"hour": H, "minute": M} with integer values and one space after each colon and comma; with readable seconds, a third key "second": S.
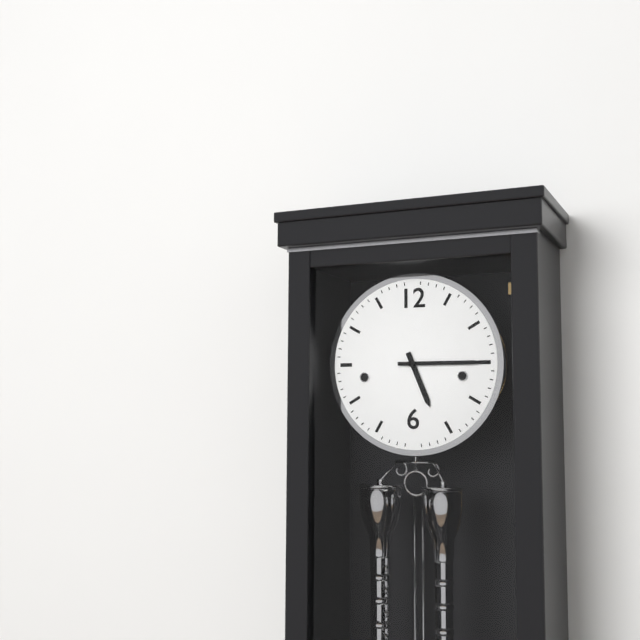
{"hour": 5, "minute": 15}
